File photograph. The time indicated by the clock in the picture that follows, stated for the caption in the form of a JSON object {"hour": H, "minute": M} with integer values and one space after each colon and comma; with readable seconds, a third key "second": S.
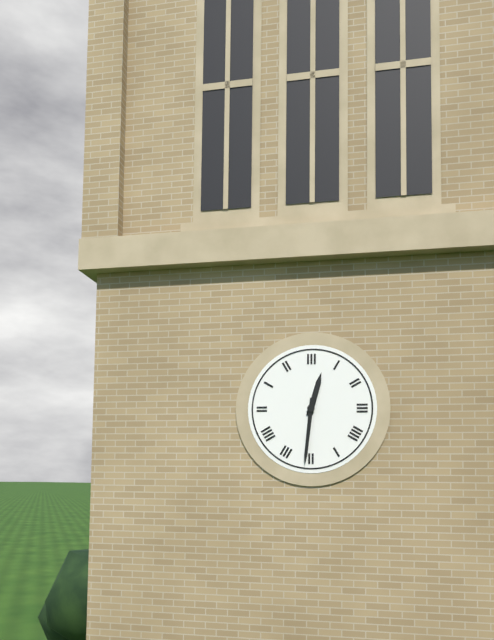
{"hour": 12, "minute": 31}
